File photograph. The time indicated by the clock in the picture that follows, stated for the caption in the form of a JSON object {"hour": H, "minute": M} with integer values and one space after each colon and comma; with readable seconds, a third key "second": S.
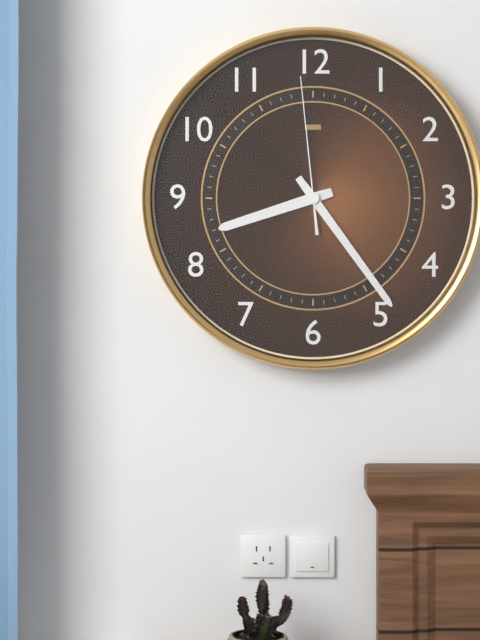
{"hour": 8, "minute": 24, "second": 59}
